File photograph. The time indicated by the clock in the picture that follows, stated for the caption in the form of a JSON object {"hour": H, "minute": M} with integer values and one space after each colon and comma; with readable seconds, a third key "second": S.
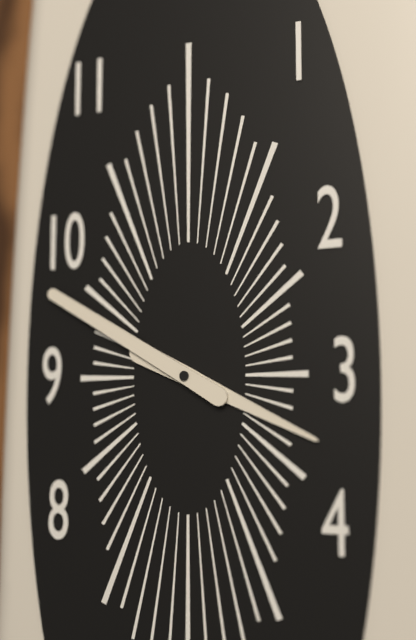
{"hour": 3, "minute": 50}
